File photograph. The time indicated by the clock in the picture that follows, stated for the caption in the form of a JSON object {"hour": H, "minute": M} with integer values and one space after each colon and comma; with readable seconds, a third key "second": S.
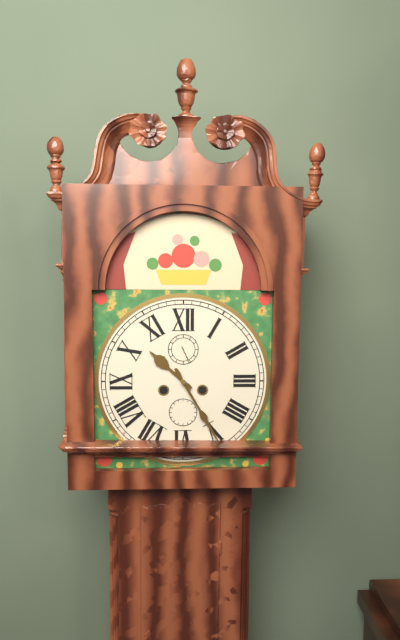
{"hour": 10, "minute": 25}
